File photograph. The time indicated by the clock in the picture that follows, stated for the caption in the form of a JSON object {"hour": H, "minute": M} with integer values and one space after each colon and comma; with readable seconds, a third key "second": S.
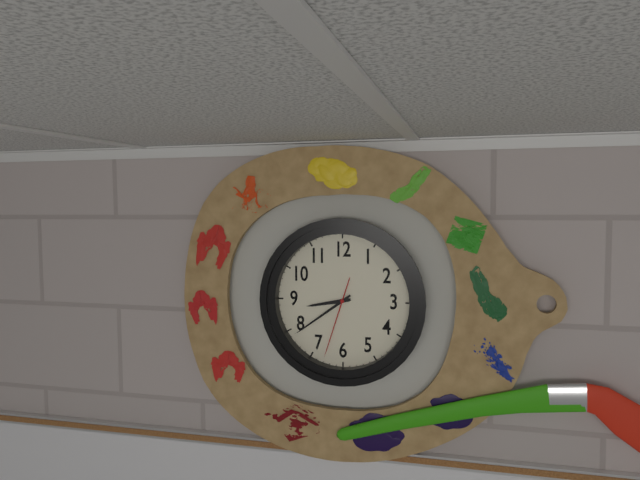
{"hour": 8, "minute": 39, "second": 33}
